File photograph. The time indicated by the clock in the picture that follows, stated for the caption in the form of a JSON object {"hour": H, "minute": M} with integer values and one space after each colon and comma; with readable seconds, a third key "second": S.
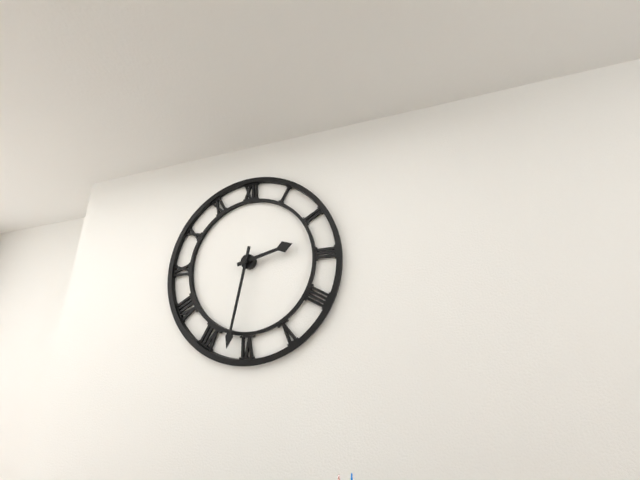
{"hour": 2, "minute": 32}
